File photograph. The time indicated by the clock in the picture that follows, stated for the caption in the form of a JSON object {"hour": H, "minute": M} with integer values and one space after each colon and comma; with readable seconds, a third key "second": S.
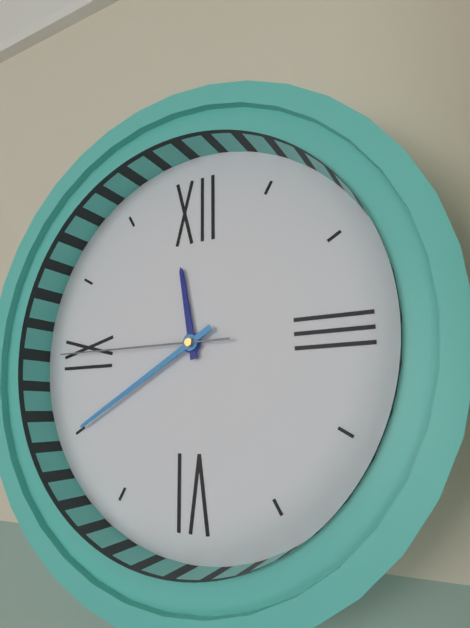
{"hour": 11, "minute": 40, "second": 45}
